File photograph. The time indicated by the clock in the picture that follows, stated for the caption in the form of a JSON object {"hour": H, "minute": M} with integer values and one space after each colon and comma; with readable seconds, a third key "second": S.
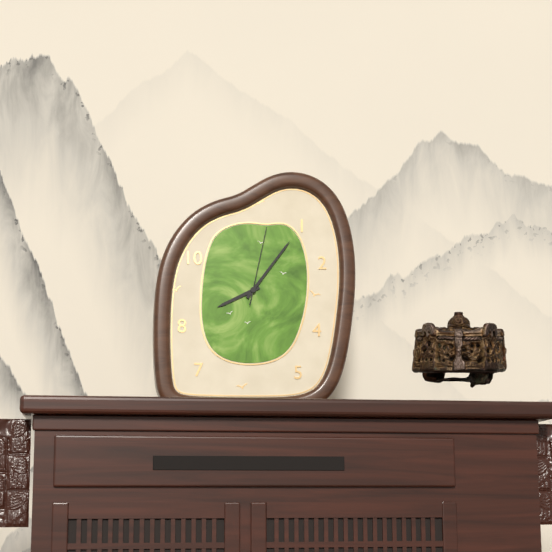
{"hour": 8, "minute": 6, "second": 2}
